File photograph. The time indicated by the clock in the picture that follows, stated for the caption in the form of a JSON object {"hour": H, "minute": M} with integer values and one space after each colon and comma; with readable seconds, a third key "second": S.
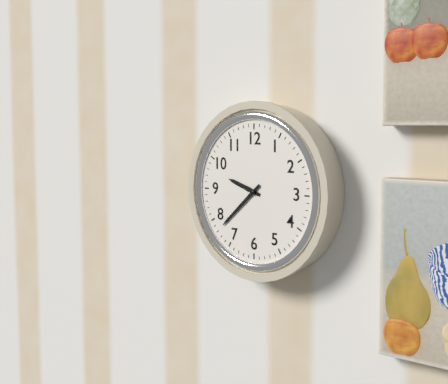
{"hour": 9, "minute": 38}
